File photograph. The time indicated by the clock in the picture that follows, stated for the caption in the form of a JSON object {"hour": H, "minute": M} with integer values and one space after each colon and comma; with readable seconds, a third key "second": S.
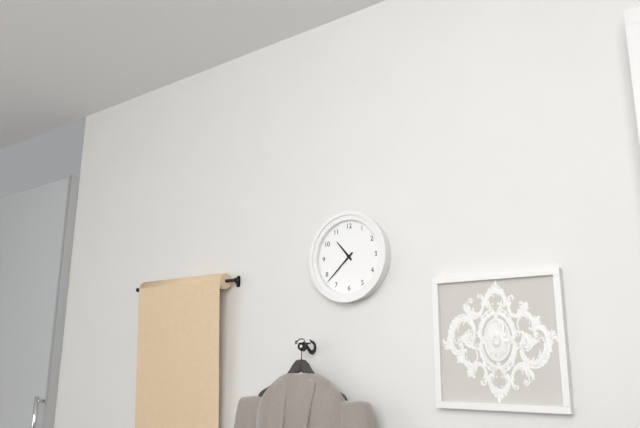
{"hour": 10, "minute": 38}
